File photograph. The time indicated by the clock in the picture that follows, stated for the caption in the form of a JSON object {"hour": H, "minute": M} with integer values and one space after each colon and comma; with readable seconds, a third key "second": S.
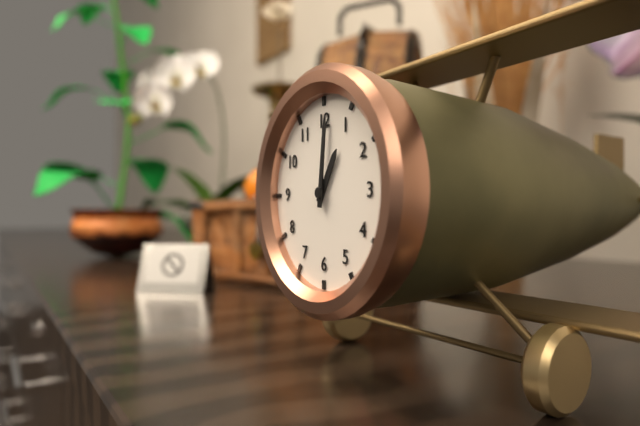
{"hour": 1, "minute": 1}
